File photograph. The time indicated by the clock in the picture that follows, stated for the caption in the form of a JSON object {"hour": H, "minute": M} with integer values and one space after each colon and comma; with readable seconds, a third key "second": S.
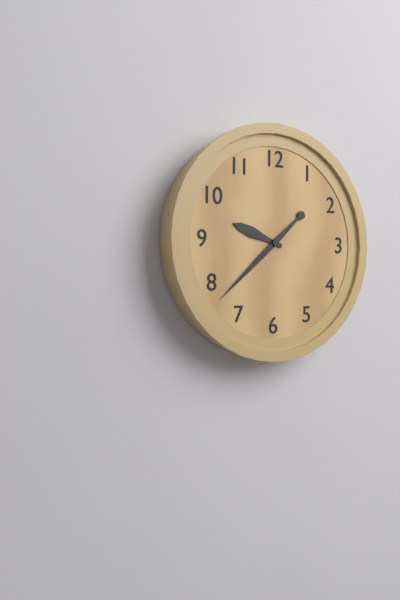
{"hour": 9, "minute": 38}
